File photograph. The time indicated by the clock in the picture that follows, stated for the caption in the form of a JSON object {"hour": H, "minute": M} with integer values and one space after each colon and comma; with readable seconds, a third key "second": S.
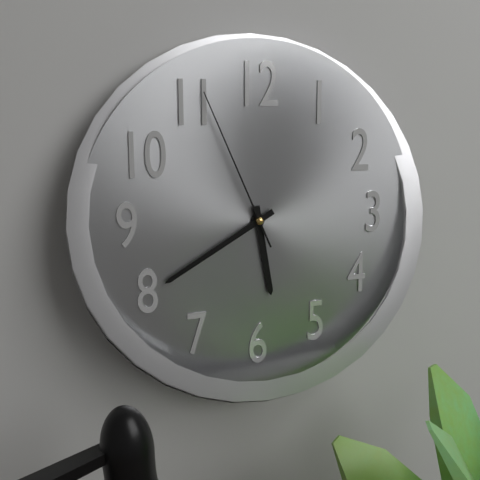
{"hour": 5, "minute": 40, "second": 56}
